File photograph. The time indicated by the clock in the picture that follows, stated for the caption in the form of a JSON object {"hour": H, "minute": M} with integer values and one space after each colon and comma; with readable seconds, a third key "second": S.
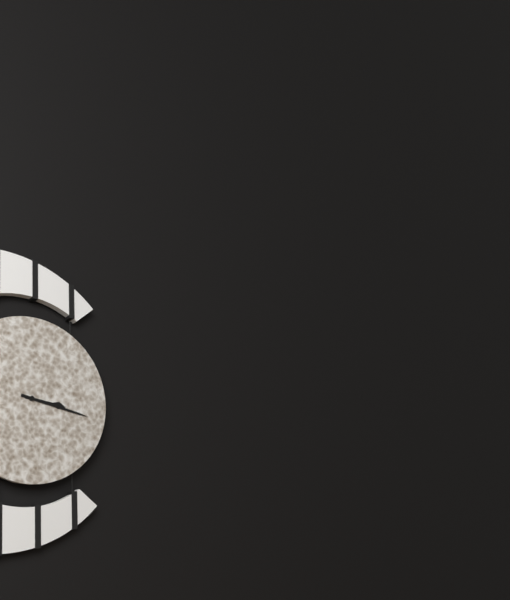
{"hour": 3, "minute": 17}
